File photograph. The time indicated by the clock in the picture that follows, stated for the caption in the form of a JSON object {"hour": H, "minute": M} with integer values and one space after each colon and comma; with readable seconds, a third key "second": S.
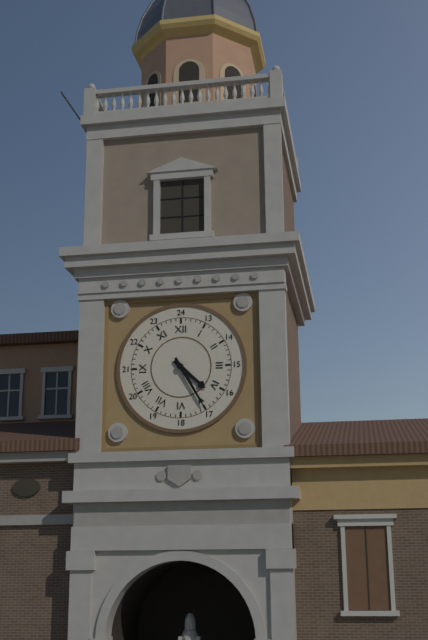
{"hour": 4, "minute": 25}
